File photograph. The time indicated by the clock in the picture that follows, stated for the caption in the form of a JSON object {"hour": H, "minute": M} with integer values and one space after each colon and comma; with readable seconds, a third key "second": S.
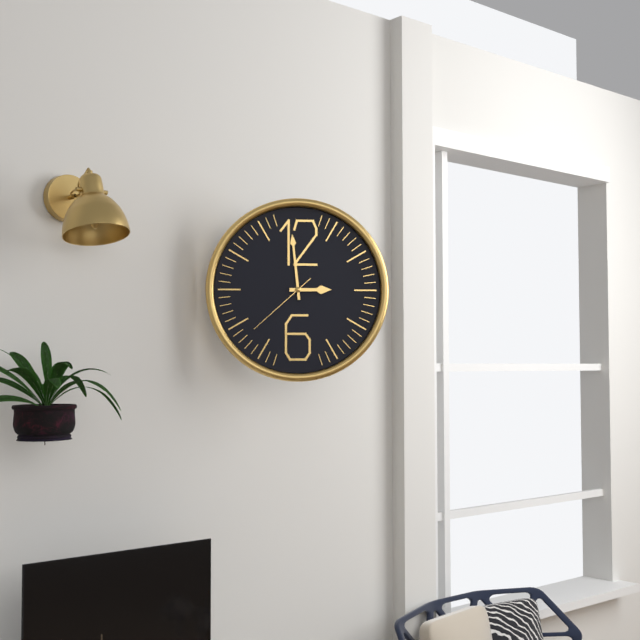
{"hour": 2, "minute": 59, "second": 38}
